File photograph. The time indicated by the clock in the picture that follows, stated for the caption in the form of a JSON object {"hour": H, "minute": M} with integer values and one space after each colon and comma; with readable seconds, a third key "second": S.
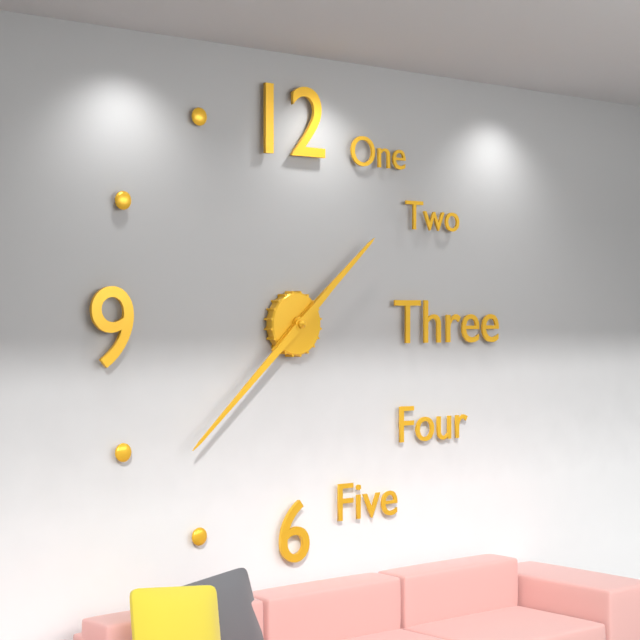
{"hour": 1, "minute": 38}
